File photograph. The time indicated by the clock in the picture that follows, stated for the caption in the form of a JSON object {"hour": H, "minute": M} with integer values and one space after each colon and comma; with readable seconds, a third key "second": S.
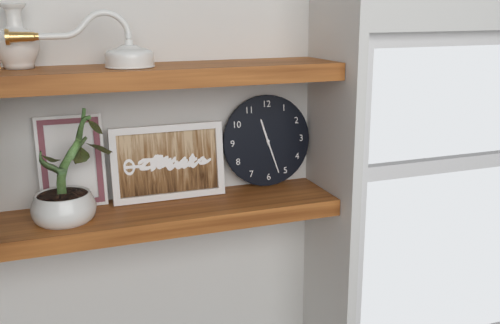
{"hour": 11, "minute": 27}
